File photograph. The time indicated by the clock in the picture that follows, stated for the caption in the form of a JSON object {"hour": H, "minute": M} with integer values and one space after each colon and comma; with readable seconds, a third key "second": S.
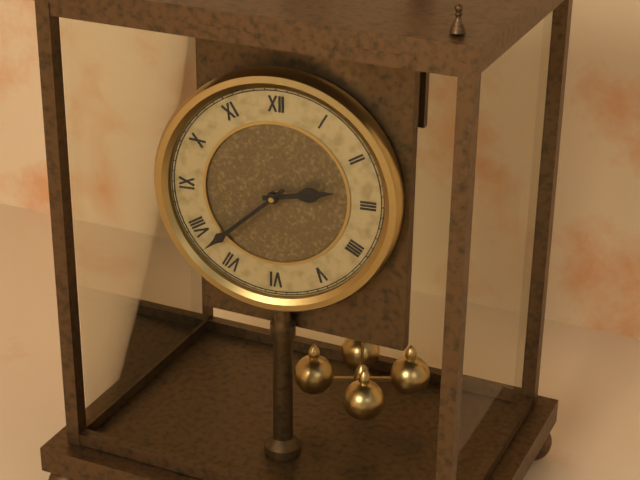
{"hour": 2, "minute": 38}
